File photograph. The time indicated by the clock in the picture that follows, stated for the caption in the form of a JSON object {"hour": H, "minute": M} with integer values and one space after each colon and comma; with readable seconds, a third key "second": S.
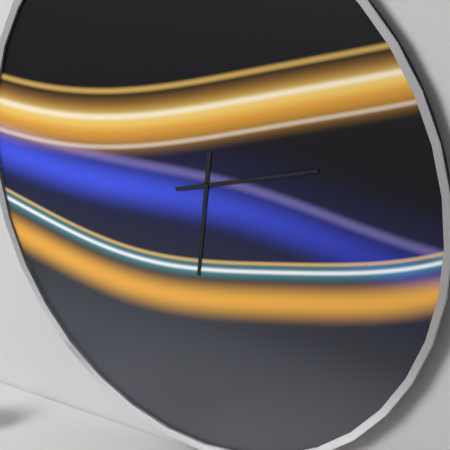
{"hour": 6, "minute": 12}
